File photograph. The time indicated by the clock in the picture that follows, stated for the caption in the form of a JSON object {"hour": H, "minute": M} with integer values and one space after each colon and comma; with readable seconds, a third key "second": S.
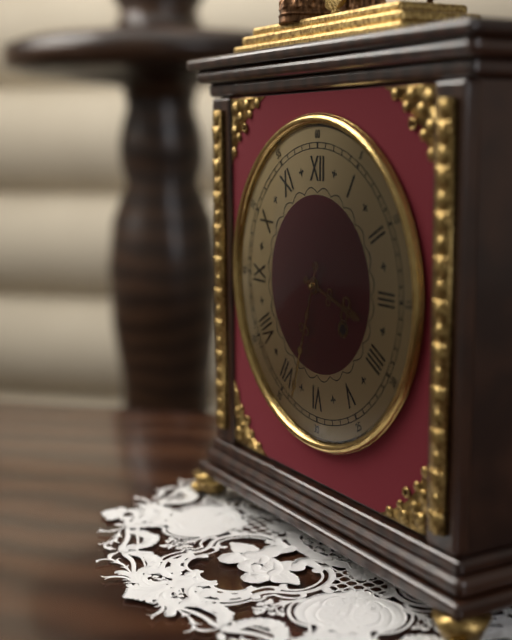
{"hour": 3, "minute": 33}
